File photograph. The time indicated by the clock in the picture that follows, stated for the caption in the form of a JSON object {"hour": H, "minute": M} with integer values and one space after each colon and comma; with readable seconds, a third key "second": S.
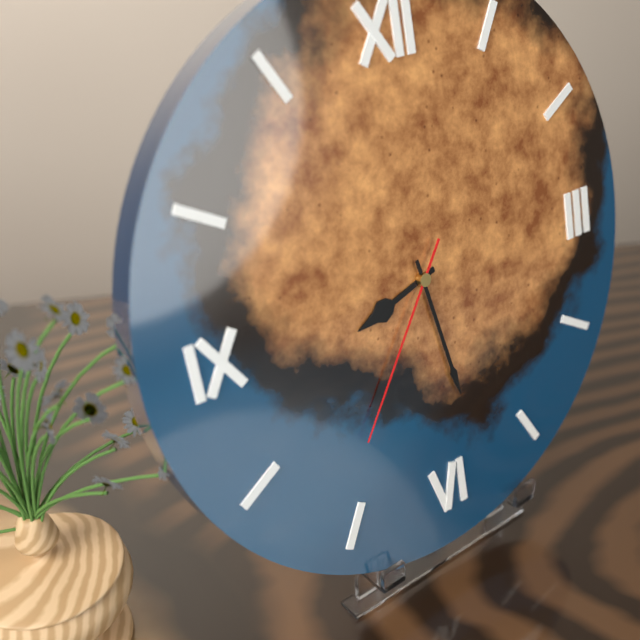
{"hour": 8, "minute": 28, "second": 36}
